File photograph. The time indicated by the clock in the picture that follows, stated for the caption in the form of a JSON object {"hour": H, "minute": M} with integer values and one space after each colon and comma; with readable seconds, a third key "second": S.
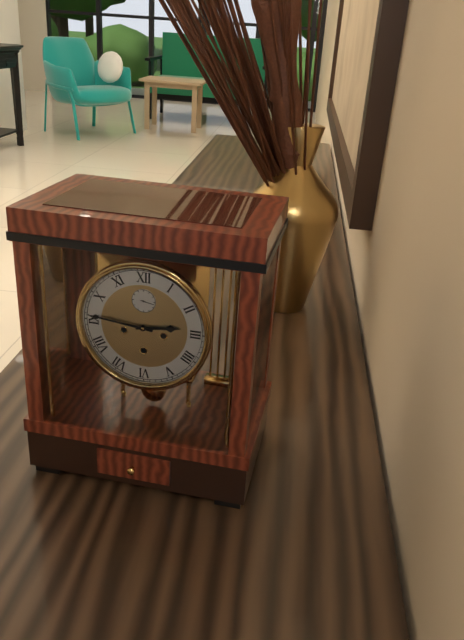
{"hour": 2, "minute": 46}
